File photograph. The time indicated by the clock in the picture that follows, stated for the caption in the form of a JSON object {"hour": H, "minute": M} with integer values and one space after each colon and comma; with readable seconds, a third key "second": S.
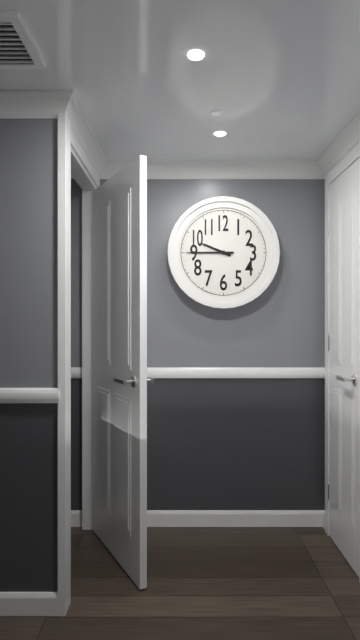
{"hour": 9, "minute": 45}
